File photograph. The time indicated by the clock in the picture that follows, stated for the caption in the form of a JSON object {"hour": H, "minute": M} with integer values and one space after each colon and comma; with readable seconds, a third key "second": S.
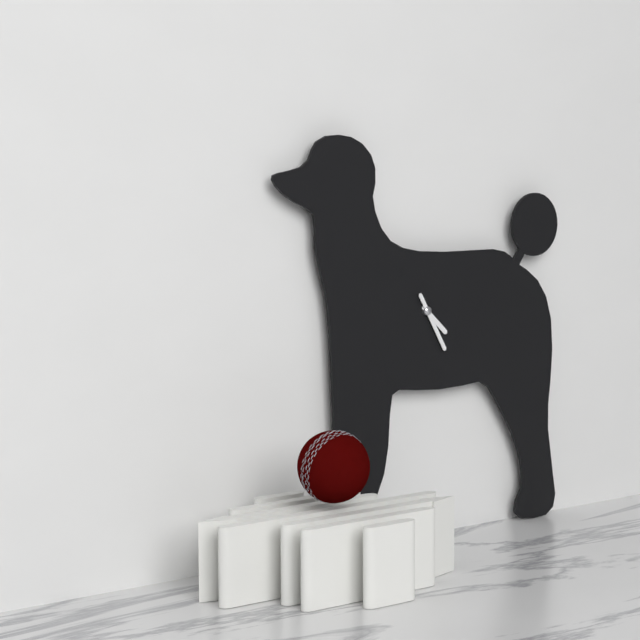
{"hour": 4, "minute": 25}
